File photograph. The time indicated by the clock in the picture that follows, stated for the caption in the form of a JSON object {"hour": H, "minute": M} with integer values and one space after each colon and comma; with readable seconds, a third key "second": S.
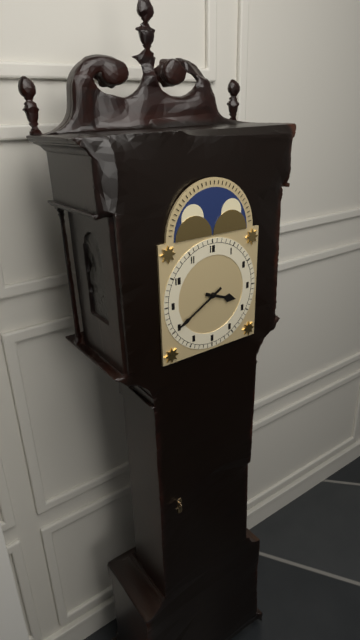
{"hour": 3, "minute": 40}
